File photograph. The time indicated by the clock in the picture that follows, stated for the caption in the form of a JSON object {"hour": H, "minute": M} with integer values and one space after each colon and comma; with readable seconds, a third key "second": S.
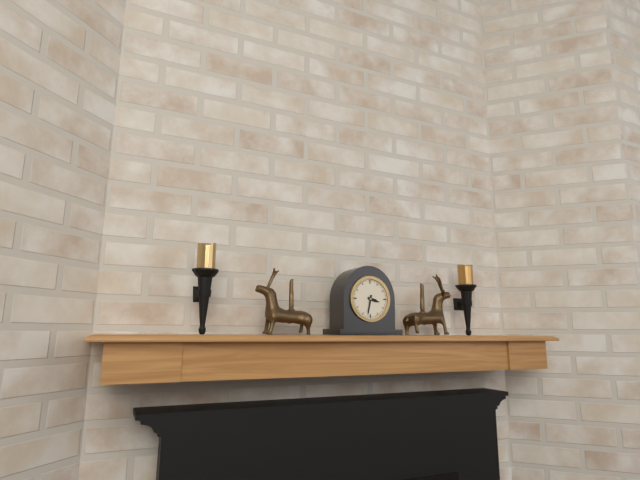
{"hour": 3, "minute": 32}
